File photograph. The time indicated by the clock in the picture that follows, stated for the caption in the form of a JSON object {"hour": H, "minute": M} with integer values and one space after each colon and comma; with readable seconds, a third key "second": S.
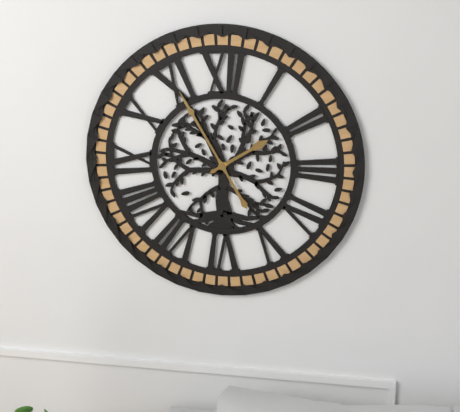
{"hour": 1, "minute": 55}
